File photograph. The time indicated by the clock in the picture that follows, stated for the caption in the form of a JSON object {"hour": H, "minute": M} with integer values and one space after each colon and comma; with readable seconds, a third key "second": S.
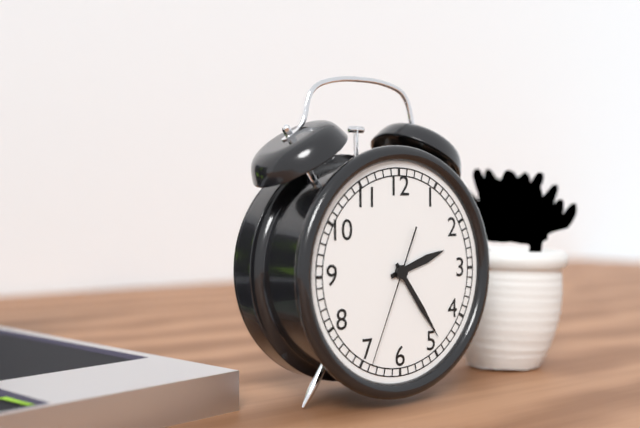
{"hour": 2, "minute": 24, "second": 34}
